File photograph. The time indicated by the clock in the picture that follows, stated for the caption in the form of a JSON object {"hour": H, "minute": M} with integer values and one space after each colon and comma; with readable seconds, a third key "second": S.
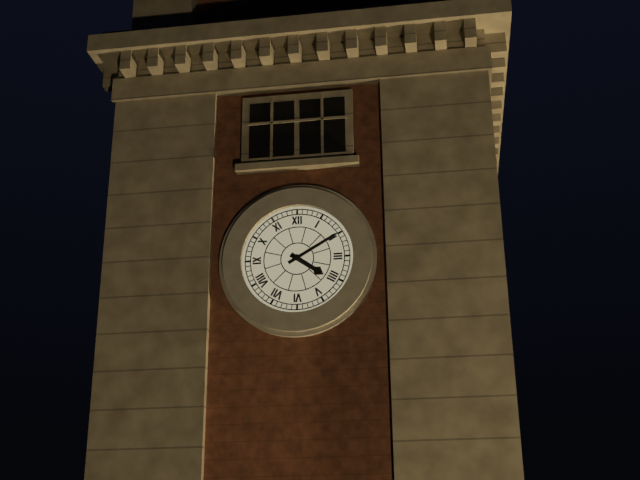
{"hour": 4, "minute": 10}
